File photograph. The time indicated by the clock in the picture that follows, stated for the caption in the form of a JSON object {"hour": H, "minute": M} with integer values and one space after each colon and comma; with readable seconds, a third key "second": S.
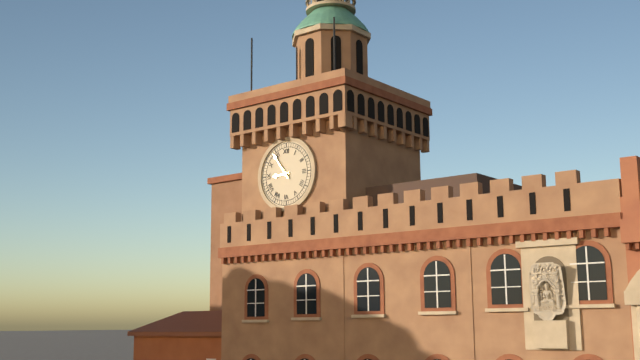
{"hour": 8, "minute": 54}
